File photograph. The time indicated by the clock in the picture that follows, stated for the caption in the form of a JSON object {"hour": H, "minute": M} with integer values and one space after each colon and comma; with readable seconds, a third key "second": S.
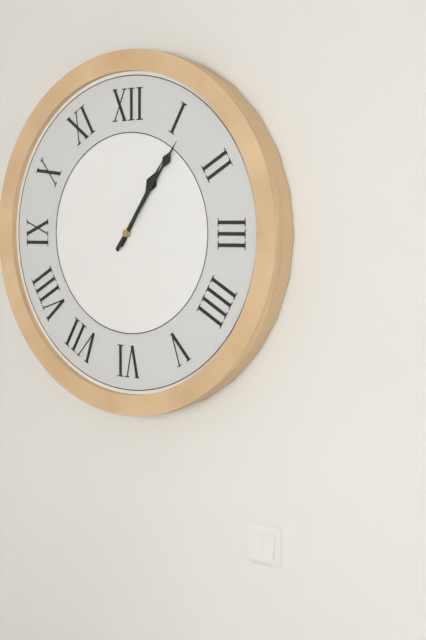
{"hour": 1, "minute": 6}
